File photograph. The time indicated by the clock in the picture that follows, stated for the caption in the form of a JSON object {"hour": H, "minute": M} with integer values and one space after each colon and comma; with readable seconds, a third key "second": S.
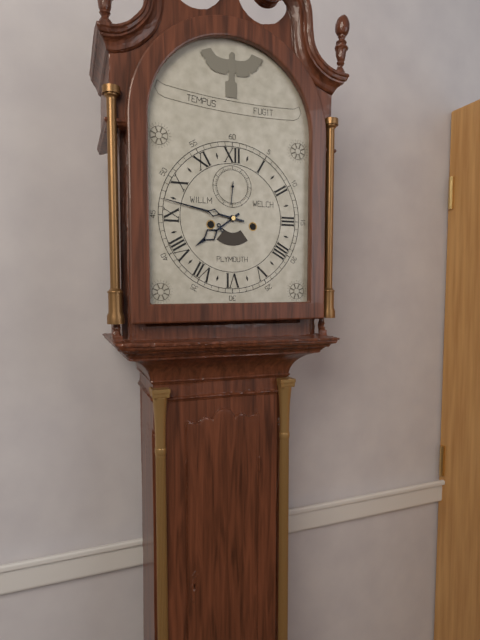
{"hour": 7, "minute": 47}
